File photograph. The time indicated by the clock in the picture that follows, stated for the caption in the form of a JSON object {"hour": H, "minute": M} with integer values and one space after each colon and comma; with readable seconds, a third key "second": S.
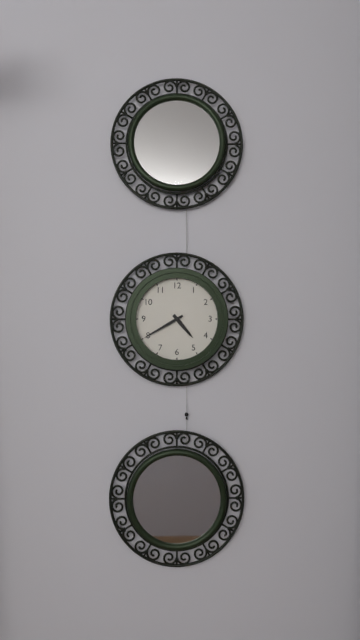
{"hour": 4, "minute": 40}
